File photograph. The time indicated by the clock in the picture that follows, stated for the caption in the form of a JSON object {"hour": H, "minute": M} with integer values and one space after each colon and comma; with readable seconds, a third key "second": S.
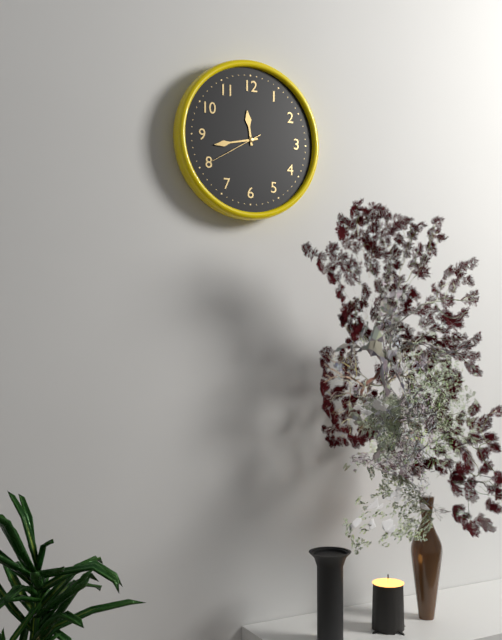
{"hour": 11, "minute": 43, "second": 40}
